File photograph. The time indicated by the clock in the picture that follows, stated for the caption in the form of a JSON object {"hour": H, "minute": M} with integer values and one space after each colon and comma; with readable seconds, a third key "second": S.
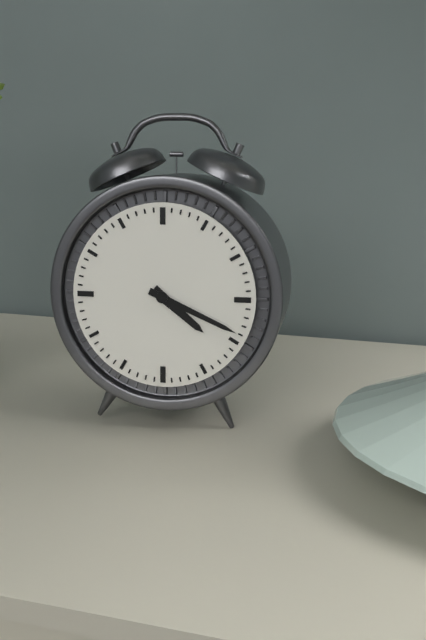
{"hour": 4, "minute": 19}
